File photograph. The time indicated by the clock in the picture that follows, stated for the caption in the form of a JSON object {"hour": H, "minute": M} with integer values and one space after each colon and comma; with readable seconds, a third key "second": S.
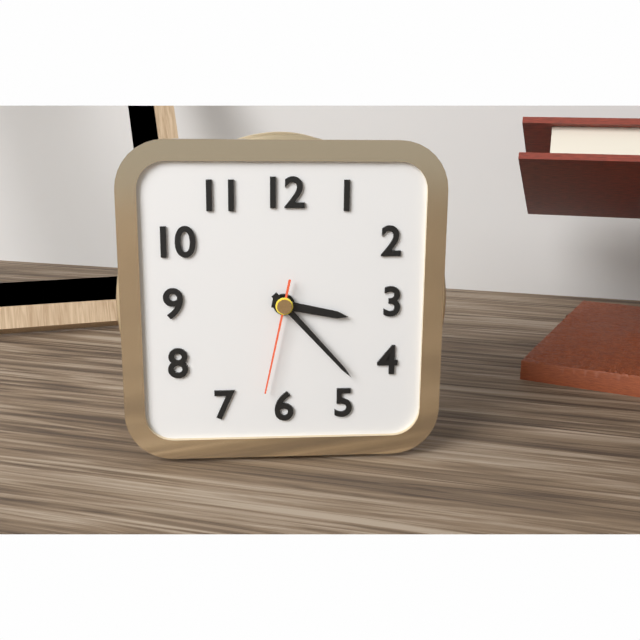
{"hour": 3, "minute": 23, "second": 32}
